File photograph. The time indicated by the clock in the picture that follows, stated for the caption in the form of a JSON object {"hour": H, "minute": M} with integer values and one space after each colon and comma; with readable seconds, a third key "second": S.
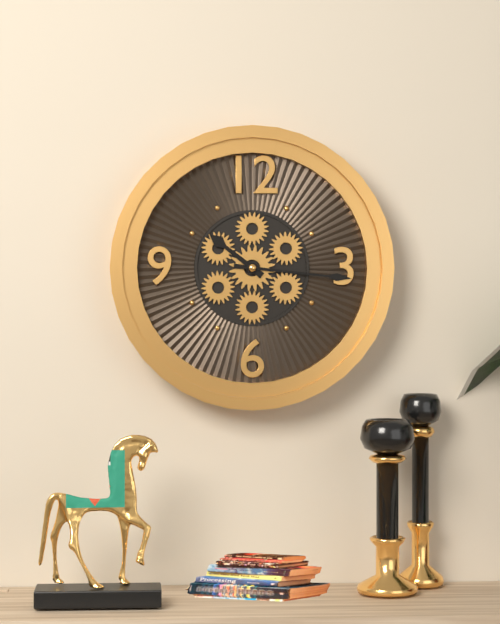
{"hour": 10, "minute": 16}
